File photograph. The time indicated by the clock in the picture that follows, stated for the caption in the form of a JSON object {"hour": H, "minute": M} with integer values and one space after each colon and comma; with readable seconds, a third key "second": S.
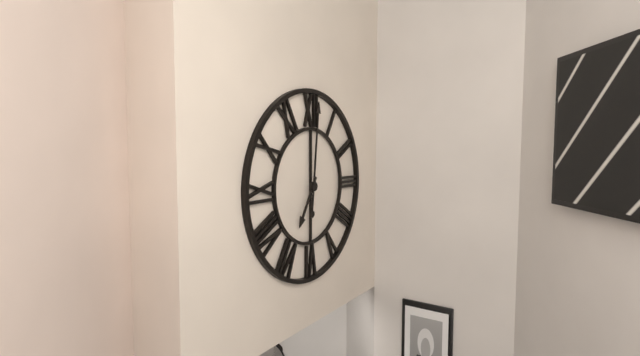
{"hour": 7, "minute": 1}
